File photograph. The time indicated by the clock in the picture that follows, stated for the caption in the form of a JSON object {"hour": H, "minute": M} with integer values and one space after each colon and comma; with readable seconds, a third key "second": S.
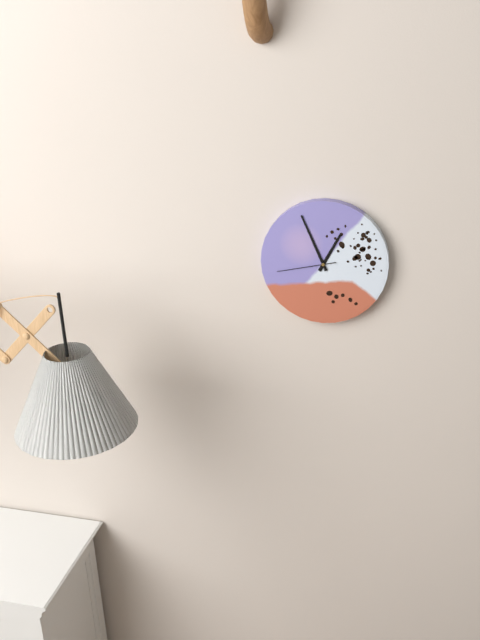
{"hour": 12, "minute": 56, "second": 43}
